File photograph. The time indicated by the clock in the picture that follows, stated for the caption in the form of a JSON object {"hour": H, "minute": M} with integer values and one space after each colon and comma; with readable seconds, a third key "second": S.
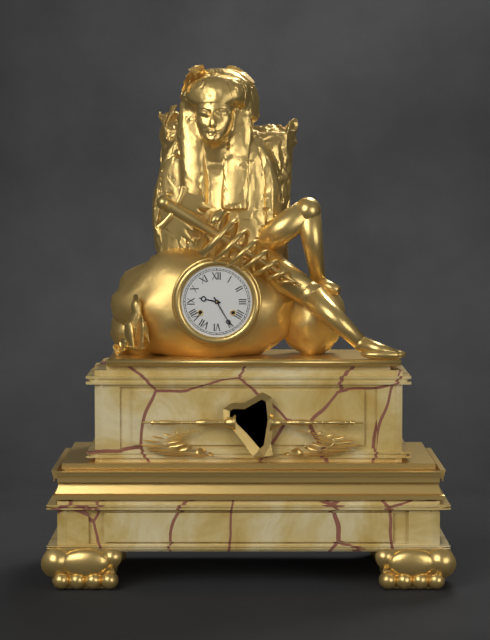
{"hour": 9, "minute": 25}
